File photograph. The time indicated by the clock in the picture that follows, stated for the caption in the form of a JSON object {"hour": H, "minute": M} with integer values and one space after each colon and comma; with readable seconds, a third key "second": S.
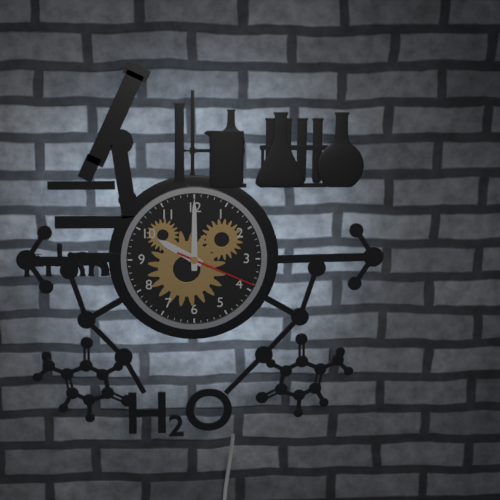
{"hour": 10, "minute": 0, "second": 19}
